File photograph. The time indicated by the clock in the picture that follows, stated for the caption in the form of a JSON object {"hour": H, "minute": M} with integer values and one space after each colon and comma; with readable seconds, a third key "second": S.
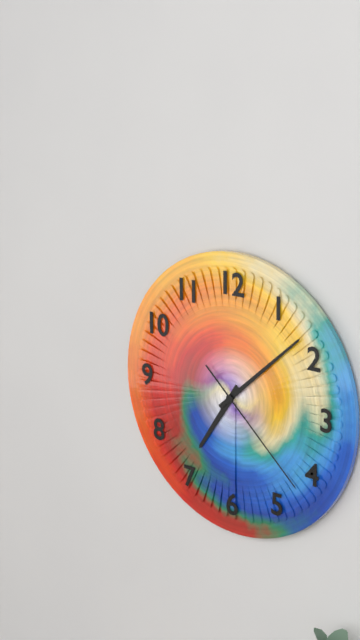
{"hour": 7, "minute": 8, "second": 22}
